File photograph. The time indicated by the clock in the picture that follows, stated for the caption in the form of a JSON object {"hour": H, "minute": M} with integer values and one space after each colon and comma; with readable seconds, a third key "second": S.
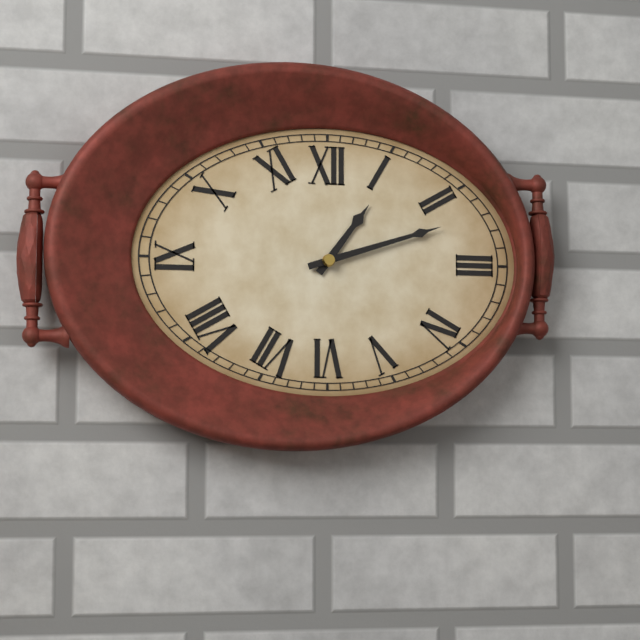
{"hour": 1, "minute": 12}
